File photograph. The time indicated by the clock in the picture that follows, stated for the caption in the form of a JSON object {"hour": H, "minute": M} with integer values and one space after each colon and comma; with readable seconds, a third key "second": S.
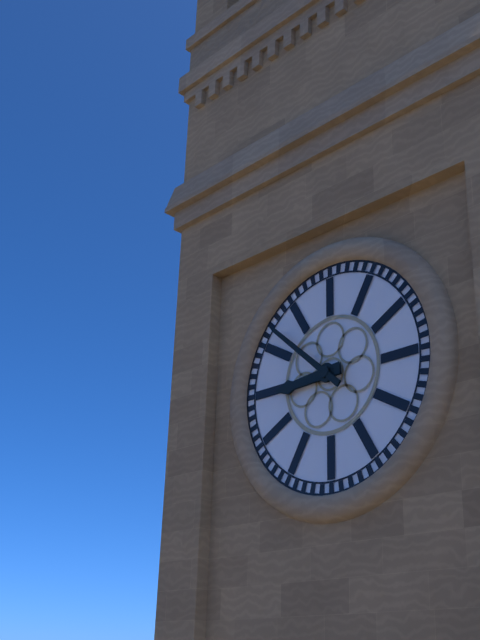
{"hour": 8, "minute": 52}
